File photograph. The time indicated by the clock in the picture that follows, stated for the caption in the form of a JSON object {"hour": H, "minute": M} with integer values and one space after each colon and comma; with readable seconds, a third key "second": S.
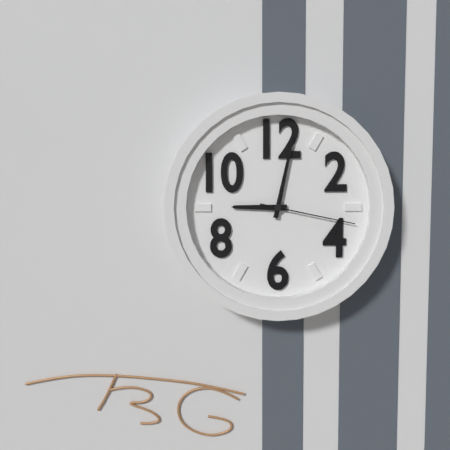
{"hour": 9, "minute": 2, "second": 17}
